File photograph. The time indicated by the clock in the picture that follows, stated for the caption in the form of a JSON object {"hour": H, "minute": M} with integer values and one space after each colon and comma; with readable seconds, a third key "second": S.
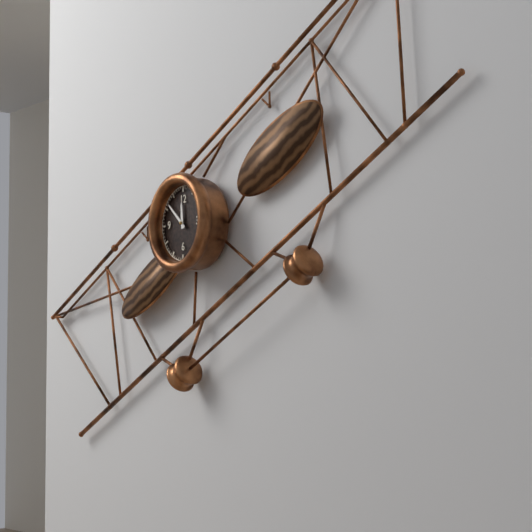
{"hour": 11, "minute": 52}
